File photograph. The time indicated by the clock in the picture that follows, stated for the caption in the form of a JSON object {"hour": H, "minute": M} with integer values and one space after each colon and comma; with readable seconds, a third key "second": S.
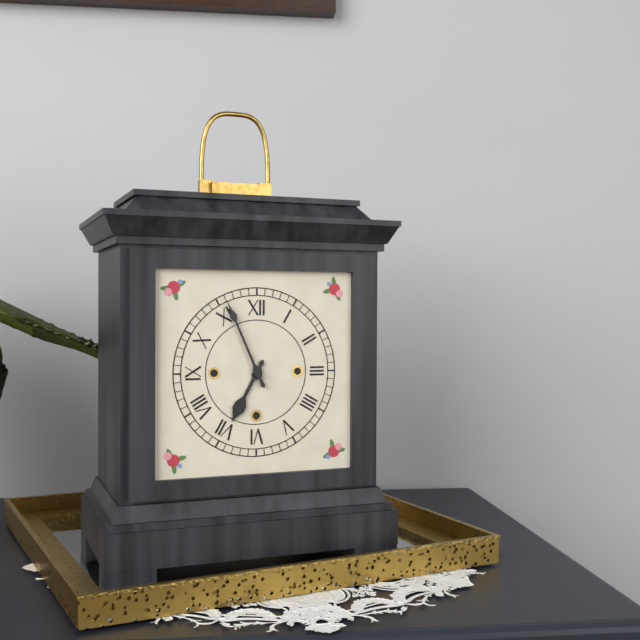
{"hour": 6, "minute": 56}
